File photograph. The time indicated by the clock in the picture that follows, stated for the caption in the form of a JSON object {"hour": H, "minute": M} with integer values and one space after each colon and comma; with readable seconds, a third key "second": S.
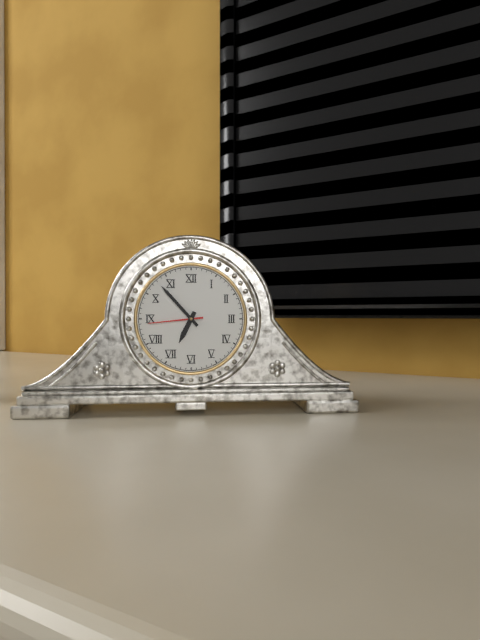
{"hour": 6, "minute": 53, "second": 44}
